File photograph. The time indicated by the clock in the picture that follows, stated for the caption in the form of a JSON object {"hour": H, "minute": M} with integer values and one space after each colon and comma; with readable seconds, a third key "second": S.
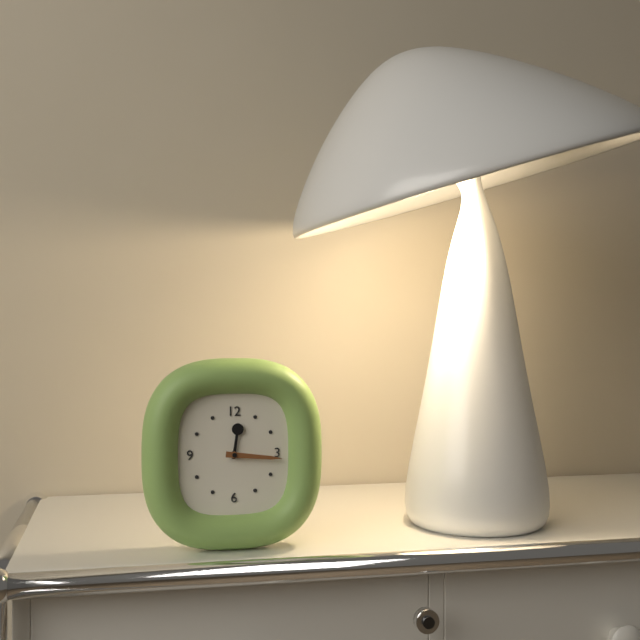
{"hour": 12, "minute": 16}
